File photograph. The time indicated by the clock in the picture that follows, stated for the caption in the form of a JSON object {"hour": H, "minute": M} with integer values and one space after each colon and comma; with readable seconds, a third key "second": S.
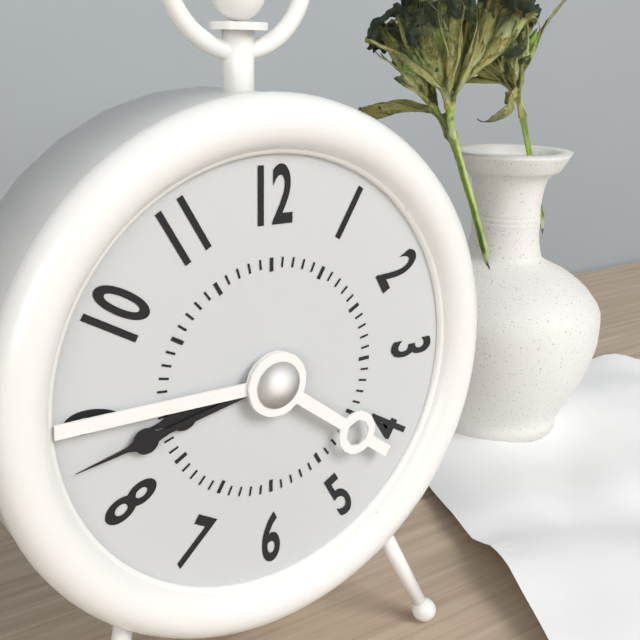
{"hour": 8, "minute": 43}
